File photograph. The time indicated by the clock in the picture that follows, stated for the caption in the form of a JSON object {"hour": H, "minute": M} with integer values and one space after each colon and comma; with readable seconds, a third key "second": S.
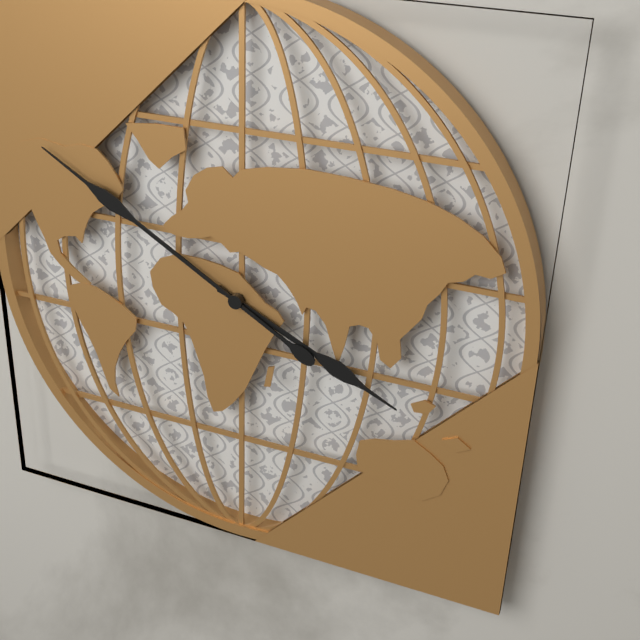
{"hour": 3, "minute": 50}
